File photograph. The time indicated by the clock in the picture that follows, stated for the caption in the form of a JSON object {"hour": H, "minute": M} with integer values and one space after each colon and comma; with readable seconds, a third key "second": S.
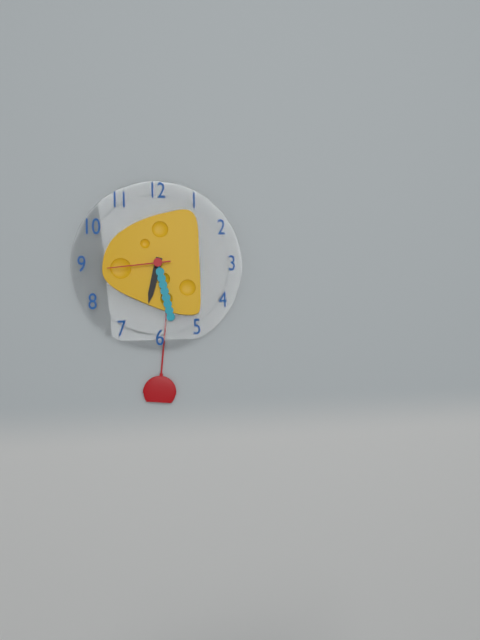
{"hour": 6, "minute": 28, "second": 44}
